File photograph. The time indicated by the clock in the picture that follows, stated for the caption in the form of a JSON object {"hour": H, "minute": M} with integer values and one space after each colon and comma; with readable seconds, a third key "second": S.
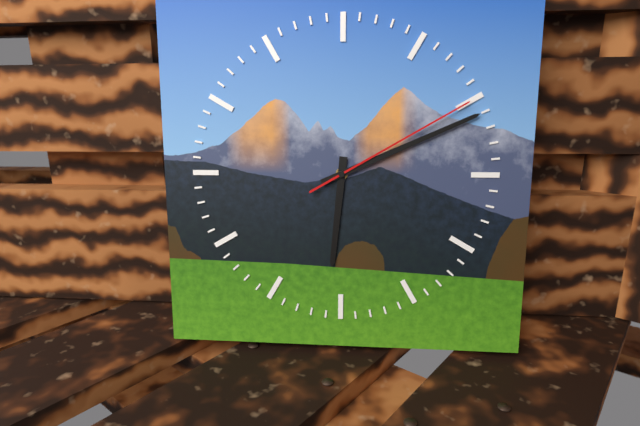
{"hour": 6, "minute": 11, "second": 10}
